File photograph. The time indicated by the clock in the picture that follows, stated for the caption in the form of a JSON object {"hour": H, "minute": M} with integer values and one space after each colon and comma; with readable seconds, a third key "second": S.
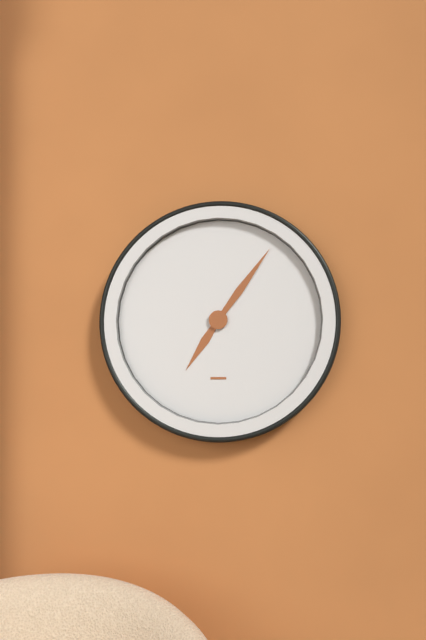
{"hour": 7, "minute": 6}
